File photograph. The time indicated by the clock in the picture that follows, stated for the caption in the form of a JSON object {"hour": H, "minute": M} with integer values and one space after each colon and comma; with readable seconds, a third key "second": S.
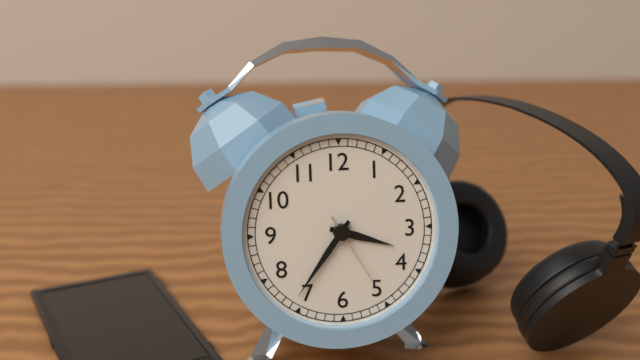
{"hour": 3, "minute": 36, "second": 25}
